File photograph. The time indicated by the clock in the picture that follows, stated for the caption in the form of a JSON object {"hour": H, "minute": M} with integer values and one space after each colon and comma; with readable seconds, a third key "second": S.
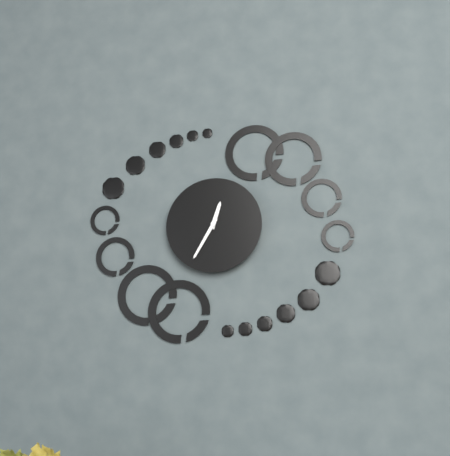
{"hour": 12, "minute": 35}
